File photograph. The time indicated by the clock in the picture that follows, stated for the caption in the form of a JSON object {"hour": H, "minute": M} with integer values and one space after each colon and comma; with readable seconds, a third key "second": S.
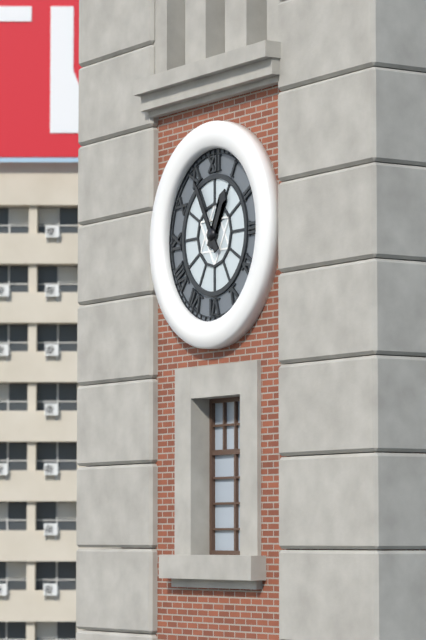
{"hour": 12, "minute": 55}
